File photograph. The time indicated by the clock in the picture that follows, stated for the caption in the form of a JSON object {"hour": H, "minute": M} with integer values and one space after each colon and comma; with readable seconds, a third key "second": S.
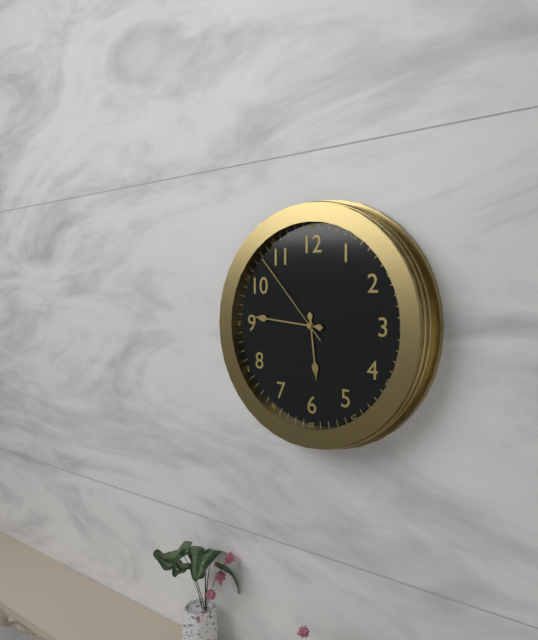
{"hour": 5, "minute": 46, "second": 53}
